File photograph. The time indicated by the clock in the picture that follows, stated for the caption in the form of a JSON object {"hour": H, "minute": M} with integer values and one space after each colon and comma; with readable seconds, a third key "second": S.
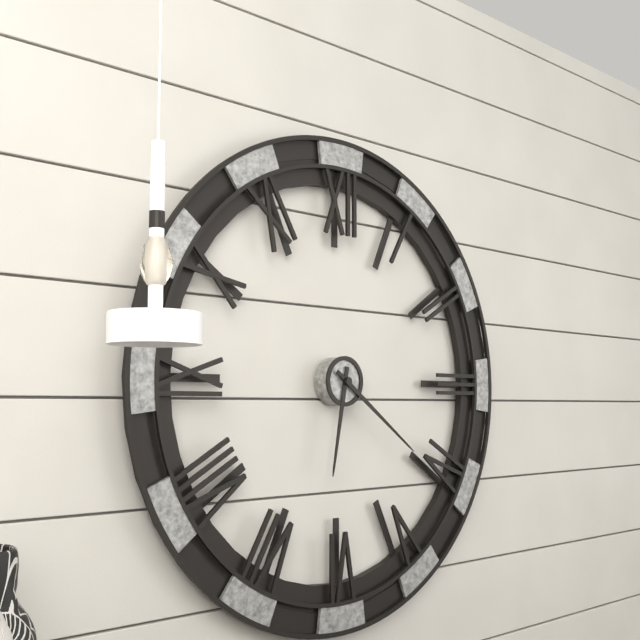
{"hour": 6, "minute": 21}
